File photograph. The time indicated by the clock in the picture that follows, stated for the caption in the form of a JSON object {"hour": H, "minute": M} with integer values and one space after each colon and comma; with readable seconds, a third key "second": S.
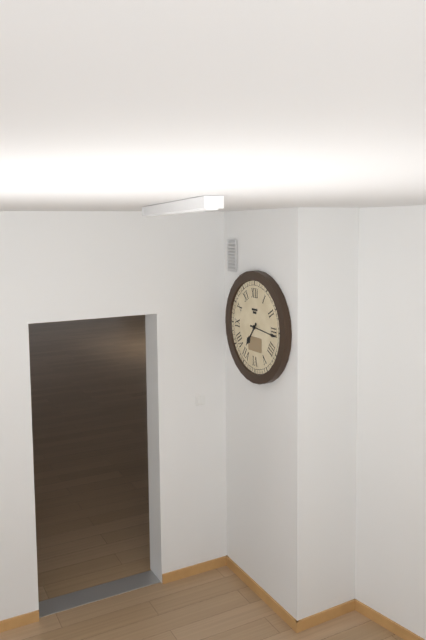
{"hour": 7, "minute": 16}
